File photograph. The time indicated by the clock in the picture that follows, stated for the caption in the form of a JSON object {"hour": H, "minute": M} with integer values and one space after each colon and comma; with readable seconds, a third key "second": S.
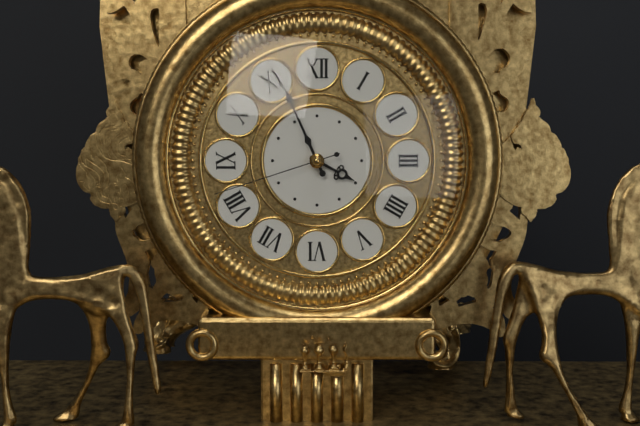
{"hour": 3, "minute": 56, "second": 42}
